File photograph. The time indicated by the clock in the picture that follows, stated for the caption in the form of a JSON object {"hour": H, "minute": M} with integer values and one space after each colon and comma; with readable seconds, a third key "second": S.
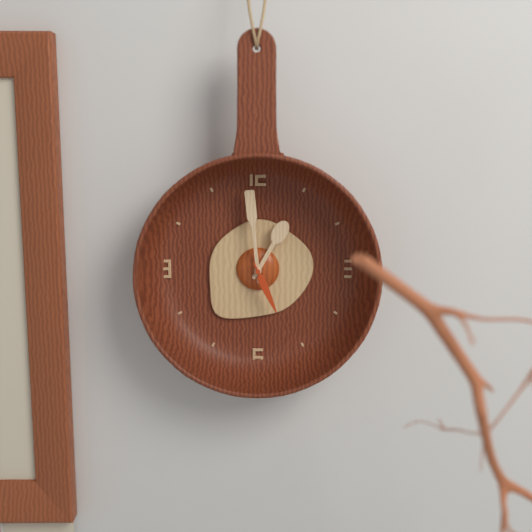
{"hour": 12, "minute": 59, "second": 26}
